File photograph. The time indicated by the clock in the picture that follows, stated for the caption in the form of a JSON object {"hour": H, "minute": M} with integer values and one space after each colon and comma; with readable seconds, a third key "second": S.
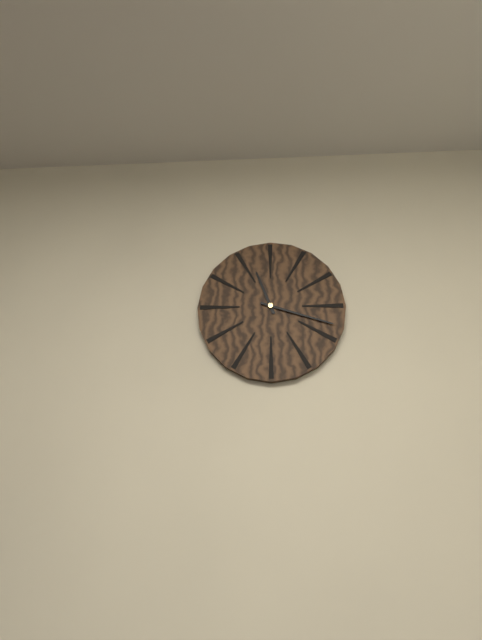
{"hour": 11, "minute": 18}
